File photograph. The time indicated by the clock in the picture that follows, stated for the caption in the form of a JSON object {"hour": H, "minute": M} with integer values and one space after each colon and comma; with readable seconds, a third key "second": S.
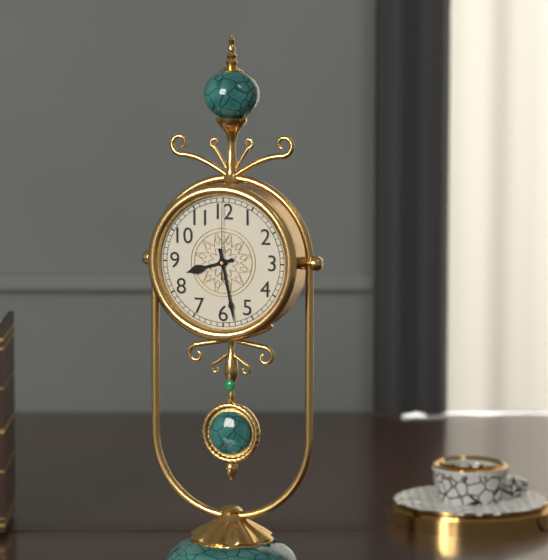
{"hour": 8, "minute": 28, "second": 0}
